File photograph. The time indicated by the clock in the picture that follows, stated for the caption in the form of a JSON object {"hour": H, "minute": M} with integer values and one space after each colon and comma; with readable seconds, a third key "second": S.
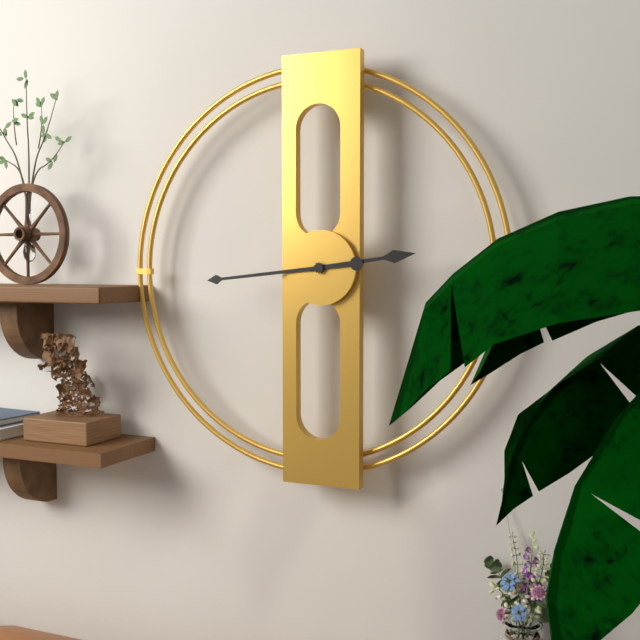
{"hour": 2, "minute": 44}
